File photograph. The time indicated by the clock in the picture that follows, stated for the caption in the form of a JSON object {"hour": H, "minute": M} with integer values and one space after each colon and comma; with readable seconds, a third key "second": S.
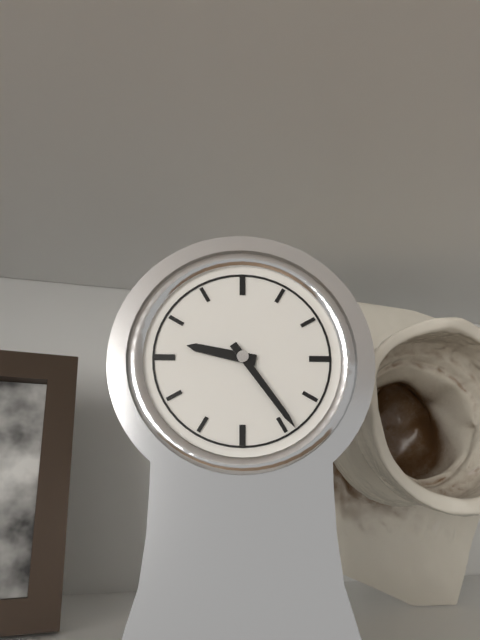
{"hour": 9, "minute": 24}
